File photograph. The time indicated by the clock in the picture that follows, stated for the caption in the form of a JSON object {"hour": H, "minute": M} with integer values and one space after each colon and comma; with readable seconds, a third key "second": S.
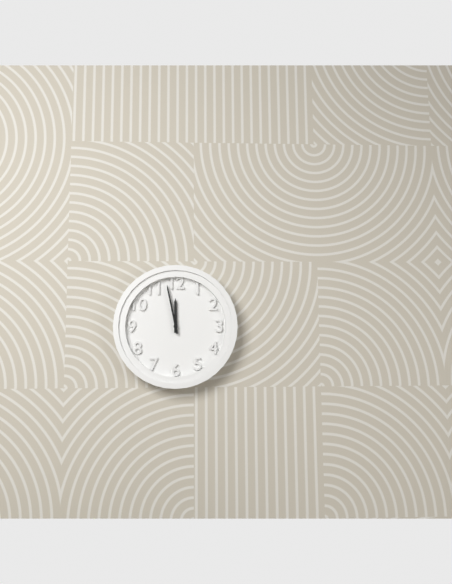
{"hour": 11, "minute": 58}
